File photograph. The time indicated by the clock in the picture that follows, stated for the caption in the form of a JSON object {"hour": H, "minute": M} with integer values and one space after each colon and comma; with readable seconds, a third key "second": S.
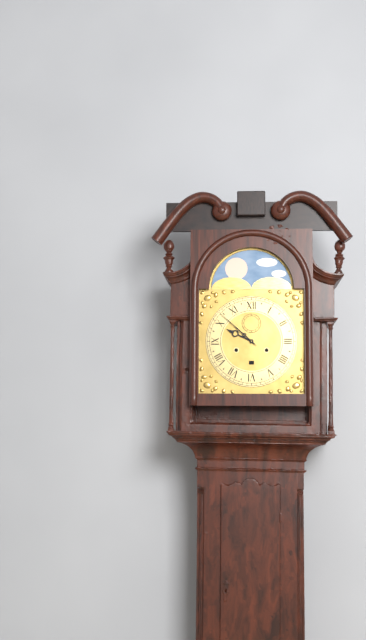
{"hour": 9, "minute": 52}
